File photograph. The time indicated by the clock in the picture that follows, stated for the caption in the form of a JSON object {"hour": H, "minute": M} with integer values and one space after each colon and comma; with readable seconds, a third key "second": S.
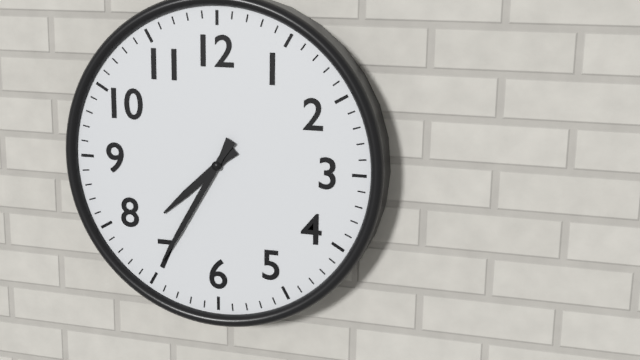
{"hour": 7, "minute": 35}
